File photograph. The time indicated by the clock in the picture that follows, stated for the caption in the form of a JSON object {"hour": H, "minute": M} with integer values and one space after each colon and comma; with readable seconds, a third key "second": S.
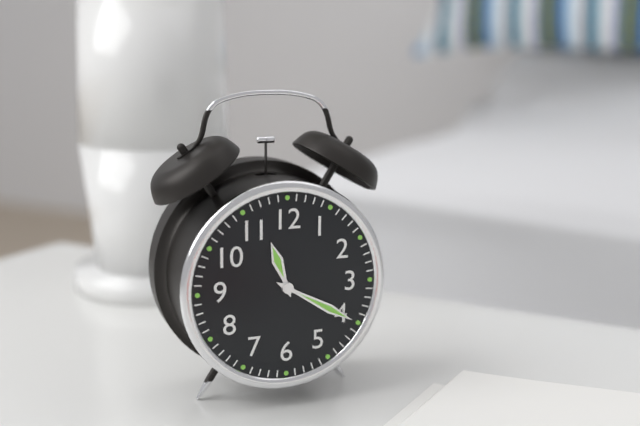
{"hour": 11, "minute": 20}
